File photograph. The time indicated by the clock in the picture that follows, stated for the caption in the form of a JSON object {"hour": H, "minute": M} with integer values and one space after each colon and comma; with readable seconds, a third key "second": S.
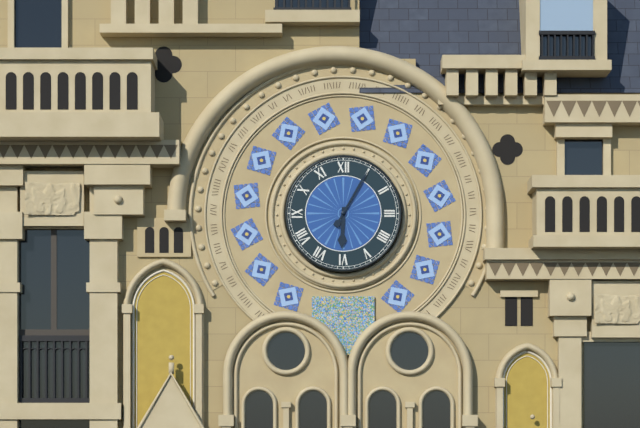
{"hour": 6, "minute": 5}
